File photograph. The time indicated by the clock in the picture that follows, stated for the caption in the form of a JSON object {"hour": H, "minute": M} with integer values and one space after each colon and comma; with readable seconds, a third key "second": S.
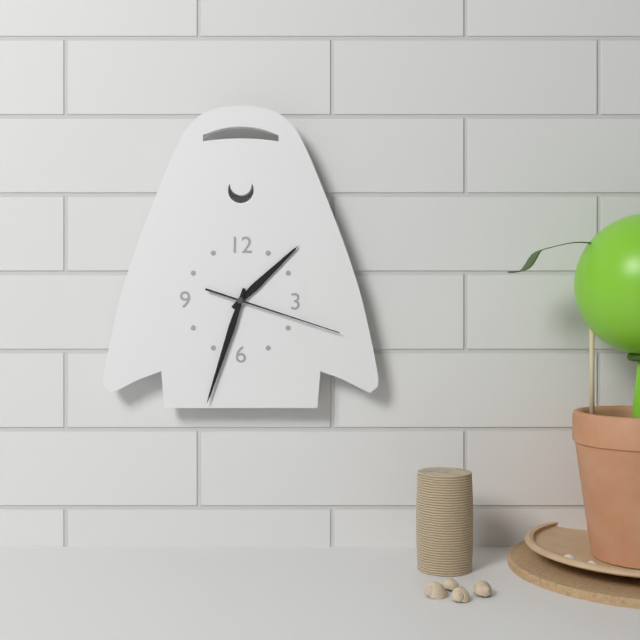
{"hour": 1, "minute": 33, "second": 18}
